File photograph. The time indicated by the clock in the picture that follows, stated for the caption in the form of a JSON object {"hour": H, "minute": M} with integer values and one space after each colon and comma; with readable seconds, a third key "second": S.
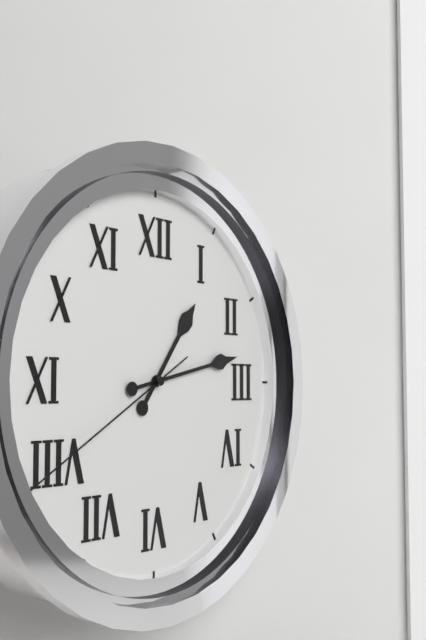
{"hour": 1, "minute": 13, "second": 40}
